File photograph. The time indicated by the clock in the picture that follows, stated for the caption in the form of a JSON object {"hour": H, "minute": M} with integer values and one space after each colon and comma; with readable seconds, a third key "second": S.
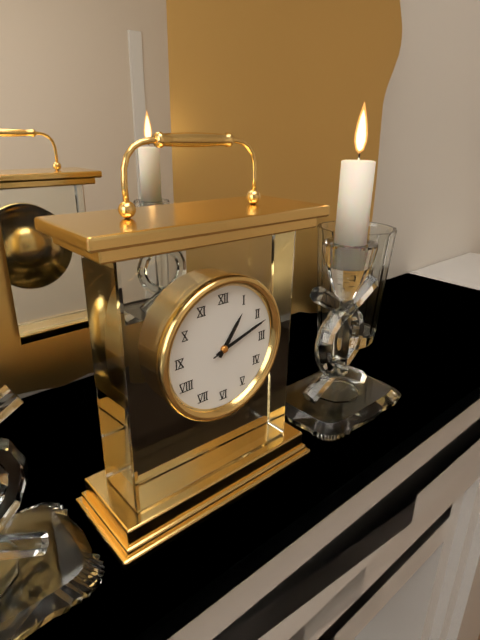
{"hour": 1, "minute": 12, "second": 12}
